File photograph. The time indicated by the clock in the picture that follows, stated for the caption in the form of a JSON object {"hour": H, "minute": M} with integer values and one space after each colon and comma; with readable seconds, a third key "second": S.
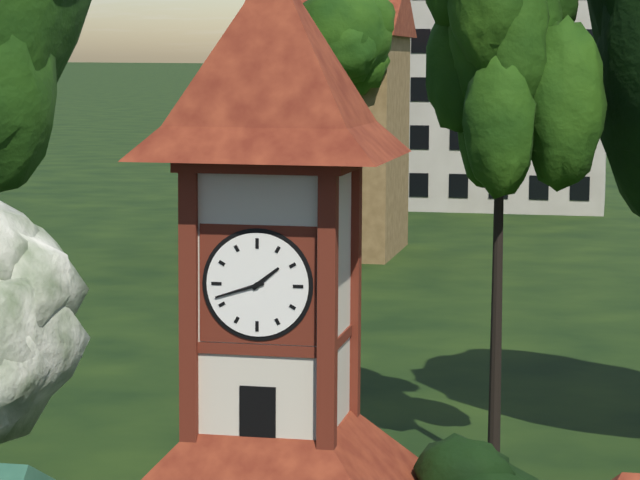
{"hour": 1, "minute": 42}
